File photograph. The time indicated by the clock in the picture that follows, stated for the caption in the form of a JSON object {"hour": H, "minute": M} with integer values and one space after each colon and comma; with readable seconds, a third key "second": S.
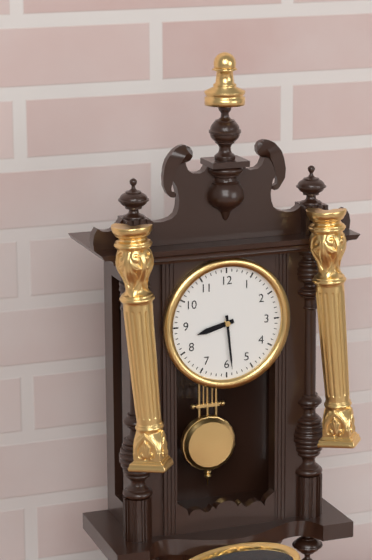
{"hour": 8, "minute": 29}
